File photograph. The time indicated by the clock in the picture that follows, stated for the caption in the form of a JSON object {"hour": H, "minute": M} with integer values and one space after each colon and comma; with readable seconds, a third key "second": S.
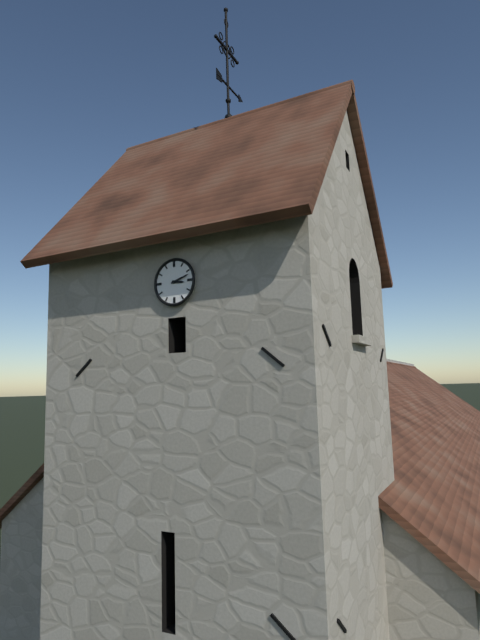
{"hour": 3, "minute": 12}
